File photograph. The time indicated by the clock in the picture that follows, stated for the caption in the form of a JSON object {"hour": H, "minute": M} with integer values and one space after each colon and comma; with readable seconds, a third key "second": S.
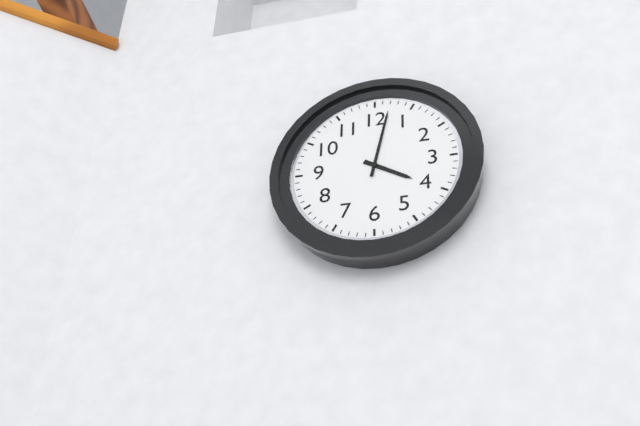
{"hour": 4, "minute": 2}
